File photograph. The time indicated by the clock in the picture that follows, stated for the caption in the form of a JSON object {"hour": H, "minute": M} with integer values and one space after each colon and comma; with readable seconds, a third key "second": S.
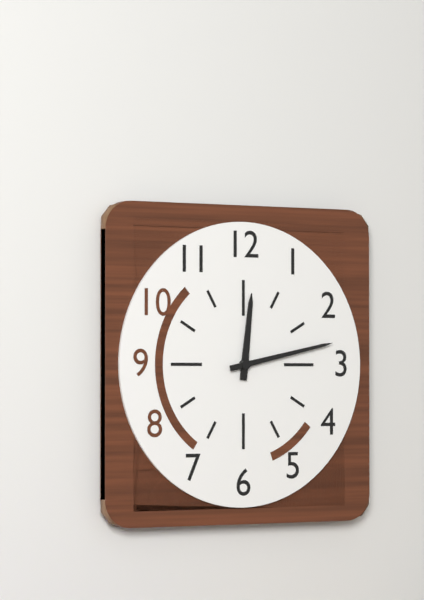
{"hour": 12, "minute": 13}
